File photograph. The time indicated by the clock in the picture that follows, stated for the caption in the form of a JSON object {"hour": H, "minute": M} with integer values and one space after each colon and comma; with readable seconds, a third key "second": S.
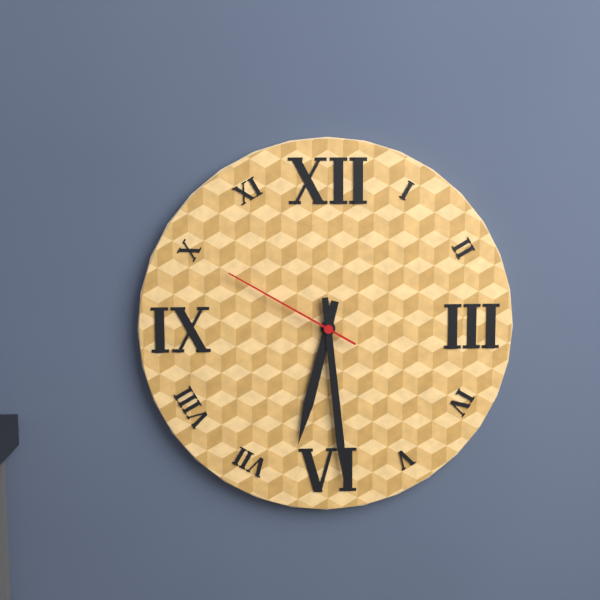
{"hour": 6, "minute": 29, "second": 50}
